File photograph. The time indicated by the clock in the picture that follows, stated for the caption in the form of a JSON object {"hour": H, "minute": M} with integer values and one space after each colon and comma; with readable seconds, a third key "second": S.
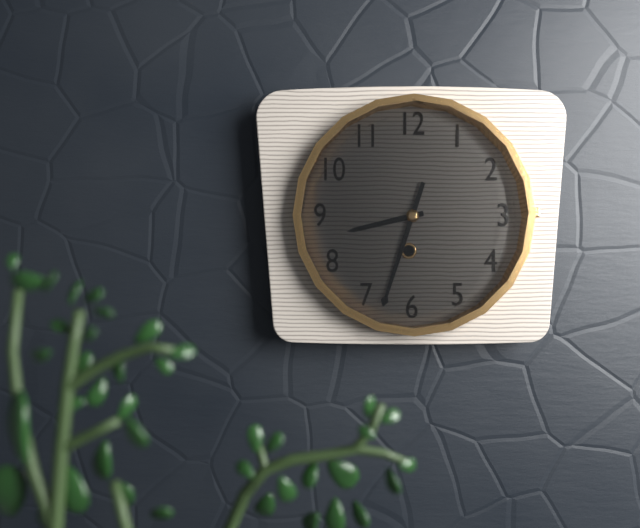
{"hour": 8, "minute": 33}
